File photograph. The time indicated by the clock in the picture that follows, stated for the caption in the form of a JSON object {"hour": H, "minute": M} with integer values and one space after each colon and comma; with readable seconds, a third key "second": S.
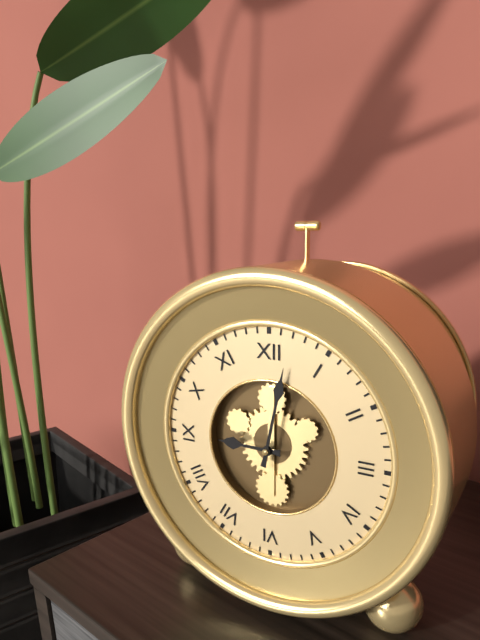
{"hour": 9, "minute": 2}
